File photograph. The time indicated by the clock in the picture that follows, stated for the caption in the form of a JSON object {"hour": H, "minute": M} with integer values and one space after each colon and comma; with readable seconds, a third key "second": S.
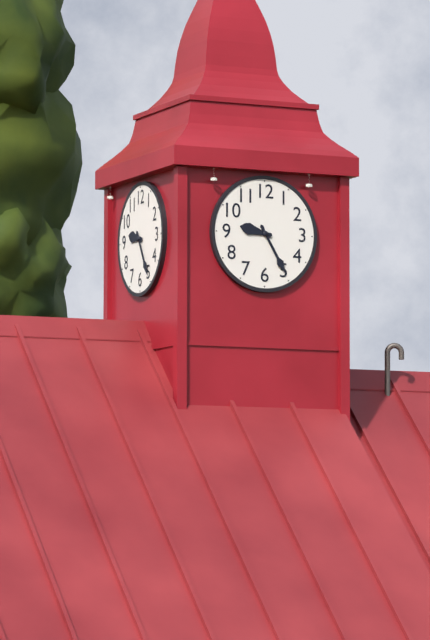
{"hour": 9, "minute": 25}
